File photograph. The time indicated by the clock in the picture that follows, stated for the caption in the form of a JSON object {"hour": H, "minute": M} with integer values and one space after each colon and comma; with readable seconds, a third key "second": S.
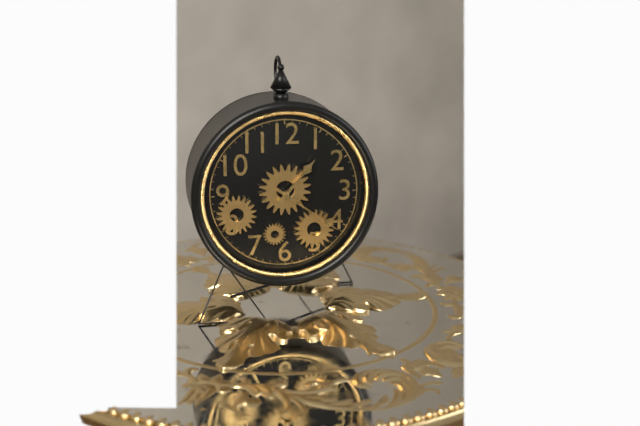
{"hour": 1, "minute": 21}
